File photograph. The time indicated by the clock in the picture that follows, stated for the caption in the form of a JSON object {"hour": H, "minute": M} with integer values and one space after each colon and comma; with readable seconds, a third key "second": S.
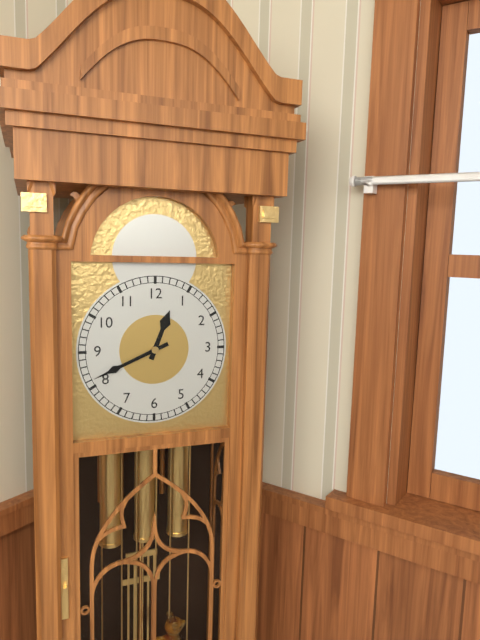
{"hour": 12, "minute": 41}
